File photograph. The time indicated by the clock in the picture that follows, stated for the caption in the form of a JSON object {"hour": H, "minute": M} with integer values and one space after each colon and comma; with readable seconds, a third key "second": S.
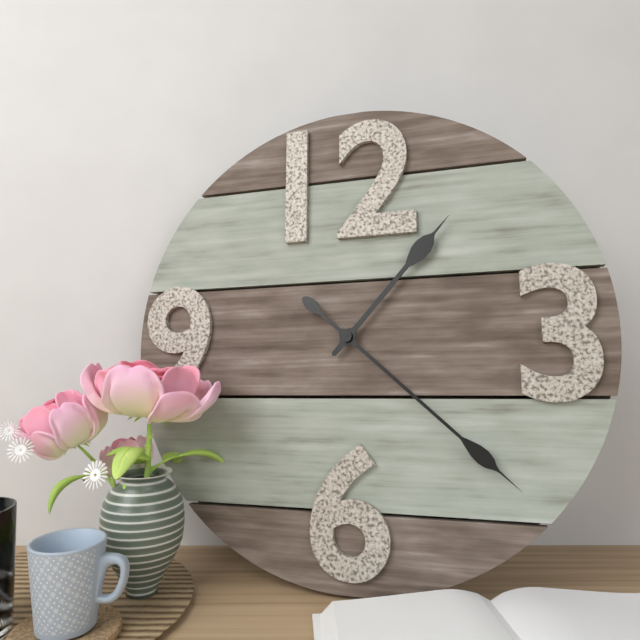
{"hour": 1, "minute": 22}
